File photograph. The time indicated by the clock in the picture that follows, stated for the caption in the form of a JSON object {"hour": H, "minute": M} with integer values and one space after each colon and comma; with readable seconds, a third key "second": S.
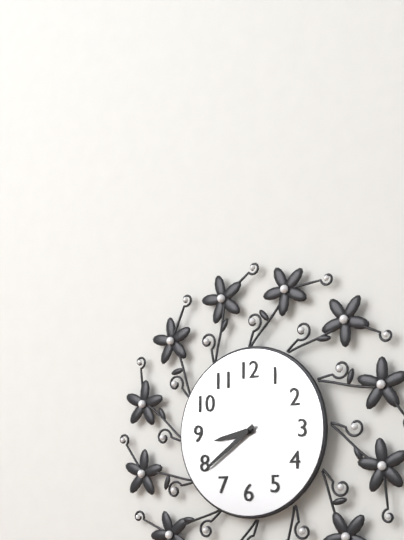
{"hour": 8, "minute": 39}
